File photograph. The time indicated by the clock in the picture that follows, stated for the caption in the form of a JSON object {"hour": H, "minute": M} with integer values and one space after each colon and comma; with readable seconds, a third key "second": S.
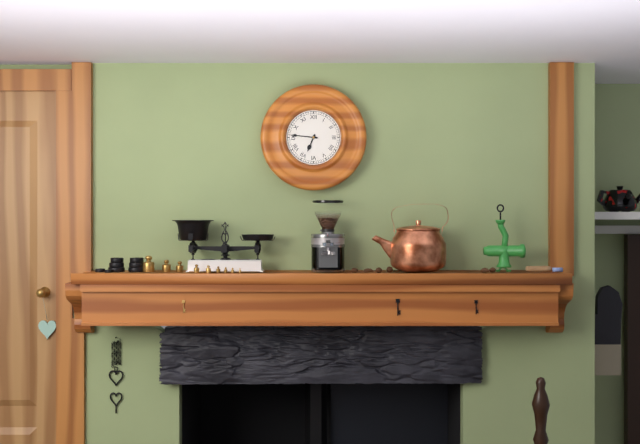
{"hour": 6, "minute": 46}
